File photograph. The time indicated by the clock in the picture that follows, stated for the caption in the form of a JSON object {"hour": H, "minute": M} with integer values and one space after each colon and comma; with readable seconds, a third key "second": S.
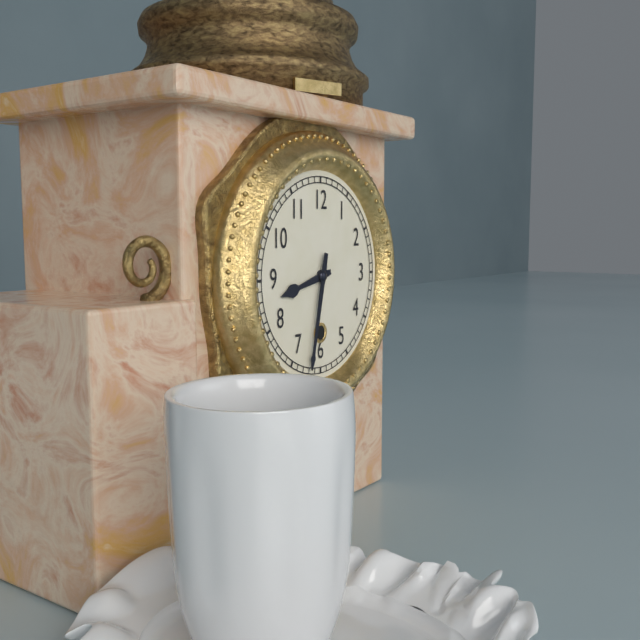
{"hour": 8, "minute": 32}
